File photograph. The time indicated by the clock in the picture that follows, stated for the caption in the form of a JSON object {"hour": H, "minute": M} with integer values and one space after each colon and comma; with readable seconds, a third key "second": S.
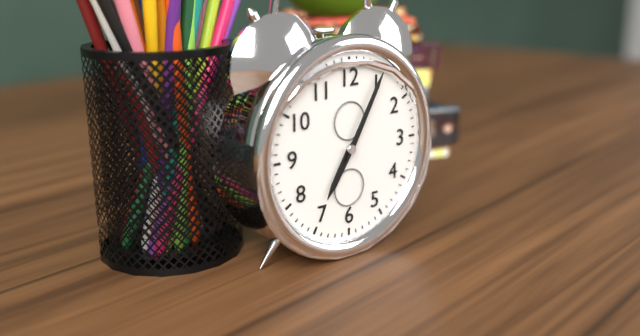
{"hour": 7, "minute": 5}
